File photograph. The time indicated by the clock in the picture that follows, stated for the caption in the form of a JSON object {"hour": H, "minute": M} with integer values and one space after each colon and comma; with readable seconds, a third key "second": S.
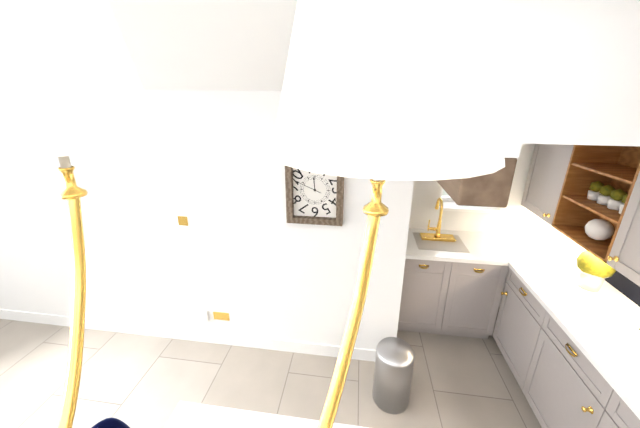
{"hour": 11, "minute": 49}
